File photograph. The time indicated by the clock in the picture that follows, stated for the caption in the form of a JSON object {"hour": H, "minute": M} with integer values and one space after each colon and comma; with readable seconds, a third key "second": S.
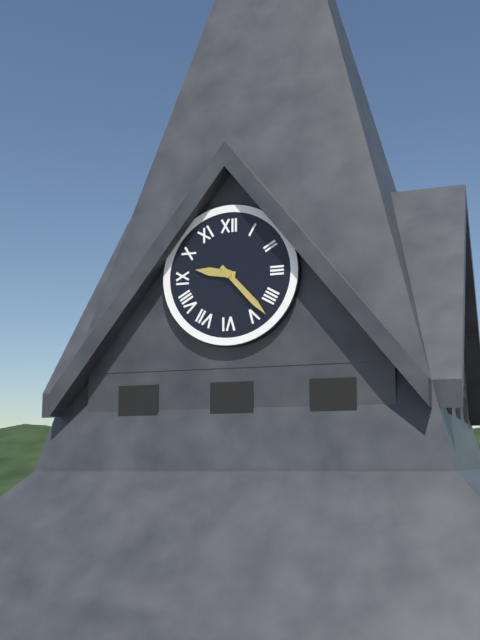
{"hour": 9, "minute": 23}
